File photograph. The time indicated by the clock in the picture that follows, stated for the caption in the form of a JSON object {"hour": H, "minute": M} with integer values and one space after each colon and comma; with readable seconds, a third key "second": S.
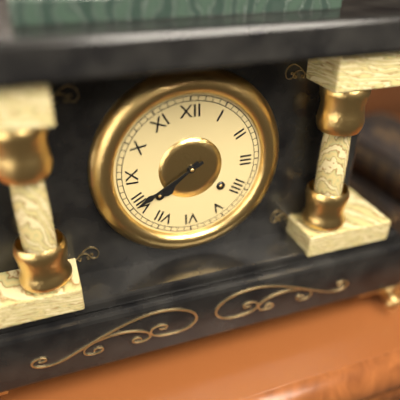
{"hour": 7, "minute": 40}
